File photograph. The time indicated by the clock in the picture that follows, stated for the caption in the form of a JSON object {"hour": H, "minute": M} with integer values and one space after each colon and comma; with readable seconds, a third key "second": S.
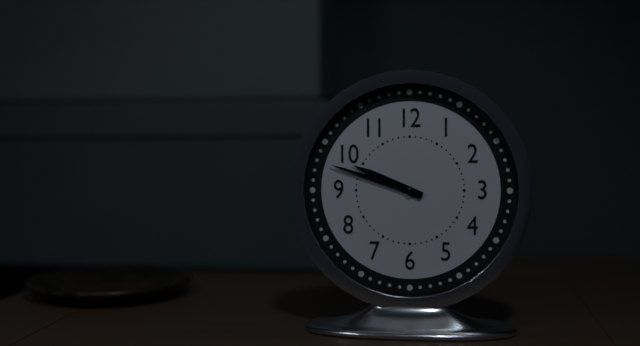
{"hour": 9, "minute": 48}
